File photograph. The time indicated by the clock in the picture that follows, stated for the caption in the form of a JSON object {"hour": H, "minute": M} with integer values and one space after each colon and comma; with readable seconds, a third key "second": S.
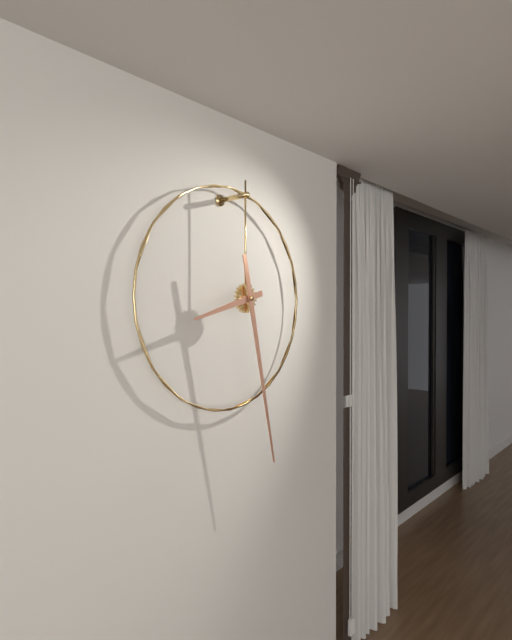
{"hour": 8, "minute": 28}
